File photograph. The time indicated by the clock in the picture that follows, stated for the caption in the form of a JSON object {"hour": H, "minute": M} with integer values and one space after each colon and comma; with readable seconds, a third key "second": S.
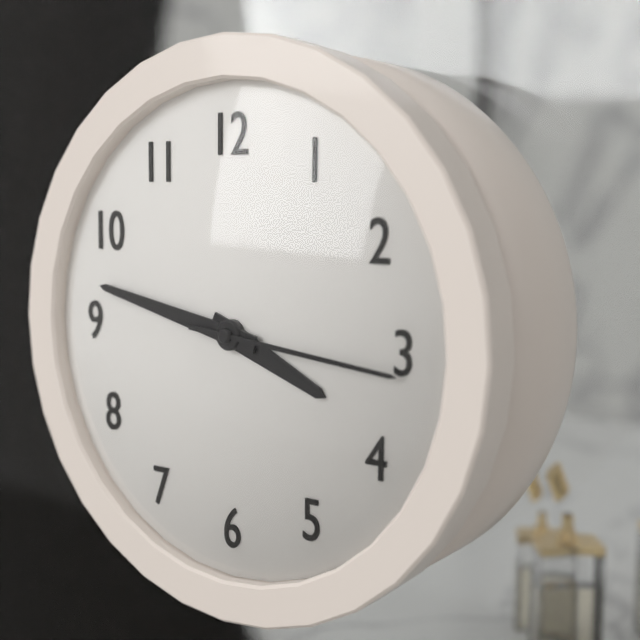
{"hour": 3, "minute": 47, "second": 16}
